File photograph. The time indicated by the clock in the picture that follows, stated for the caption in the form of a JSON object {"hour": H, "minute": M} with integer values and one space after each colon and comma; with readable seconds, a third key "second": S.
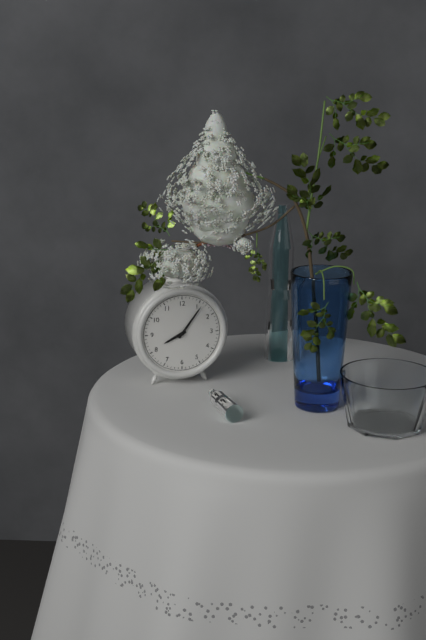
{"hour": 8, "minute": 6}
